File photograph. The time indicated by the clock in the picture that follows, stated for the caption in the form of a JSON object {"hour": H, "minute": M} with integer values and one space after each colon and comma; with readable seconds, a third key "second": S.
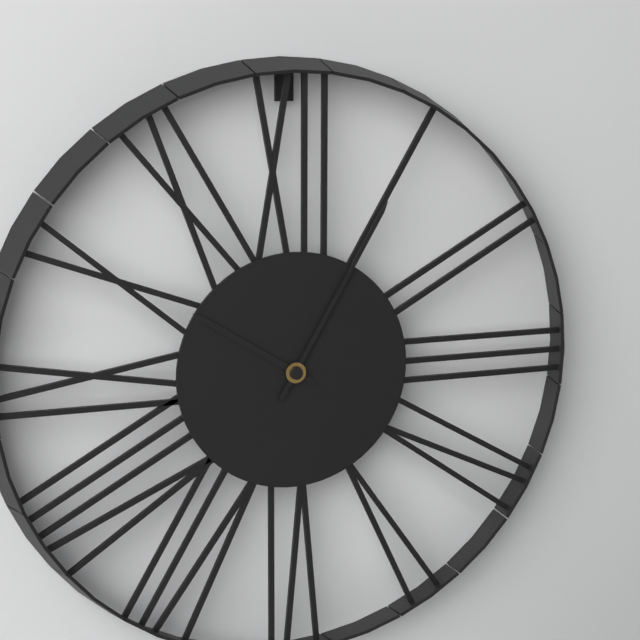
{"hour": 10, "minute": 5}
